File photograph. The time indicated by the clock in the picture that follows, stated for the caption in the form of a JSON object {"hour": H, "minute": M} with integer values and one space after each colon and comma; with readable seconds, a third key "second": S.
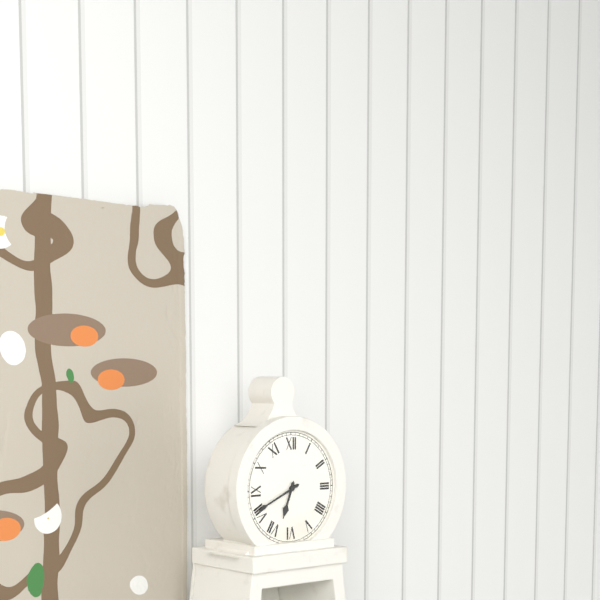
{"hour": 6, "minute": 41}
